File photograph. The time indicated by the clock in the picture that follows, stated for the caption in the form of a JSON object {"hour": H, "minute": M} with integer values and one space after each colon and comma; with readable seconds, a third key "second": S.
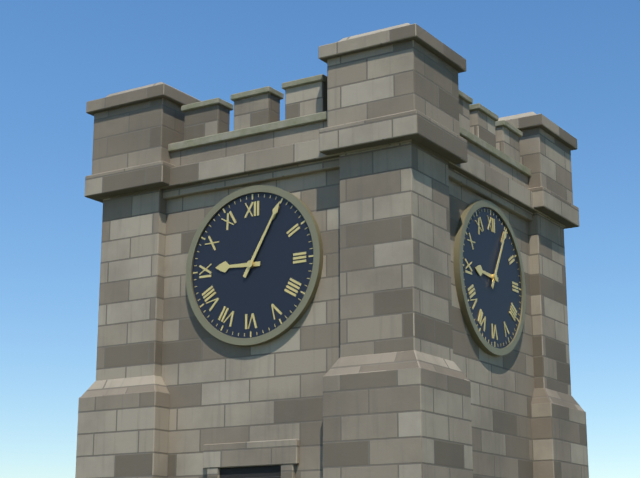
{"hour": 9, "minute": 5}
